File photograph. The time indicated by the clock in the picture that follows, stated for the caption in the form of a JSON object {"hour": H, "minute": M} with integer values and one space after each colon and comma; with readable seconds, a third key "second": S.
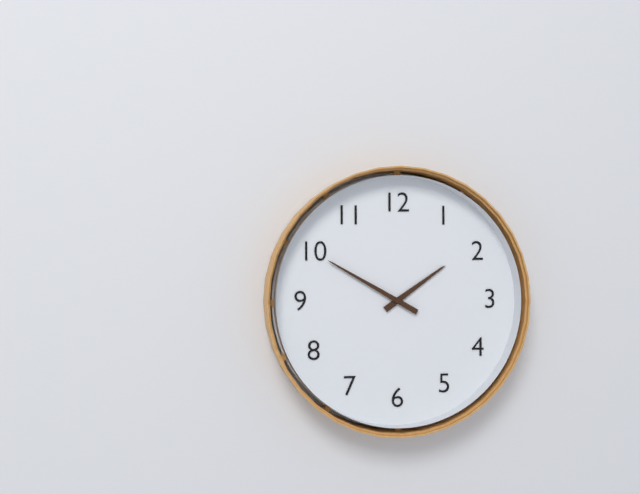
{"hour": 1, "minute": 50}
